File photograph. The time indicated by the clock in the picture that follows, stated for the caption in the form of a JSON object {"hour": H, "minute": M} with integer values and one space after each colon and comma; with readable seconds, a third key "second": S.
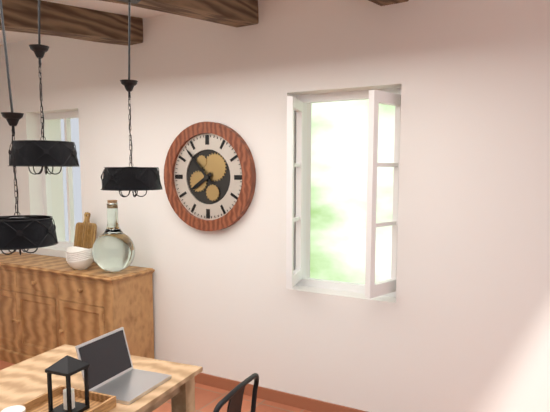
{"hour": 7, "minute": 53}
